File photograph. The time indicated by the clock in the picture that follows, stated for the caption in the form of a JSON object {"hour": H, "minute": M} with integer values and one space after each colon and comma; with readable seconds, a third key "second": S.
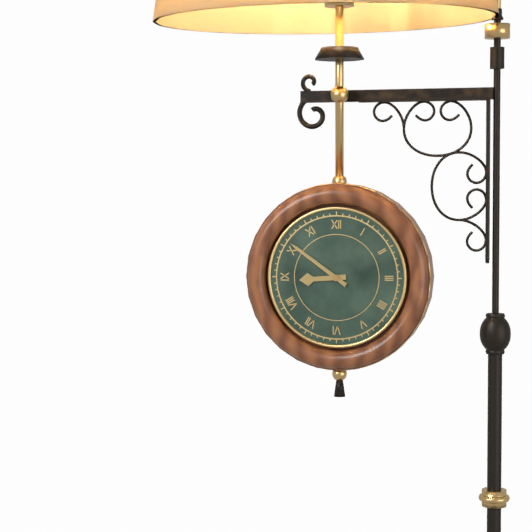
{"hour": 8, "minute": 51}
